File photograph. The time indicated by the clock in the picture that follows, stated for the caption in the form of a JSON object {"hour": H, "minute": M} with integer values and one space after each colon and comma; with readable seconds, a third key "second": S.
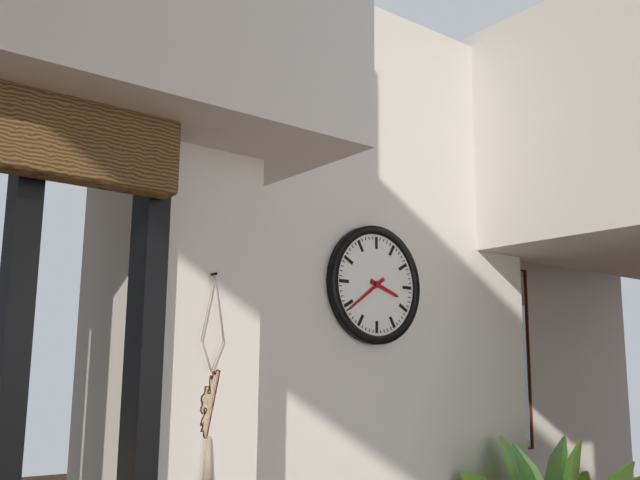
{"hour": 3, "minute": 39}
